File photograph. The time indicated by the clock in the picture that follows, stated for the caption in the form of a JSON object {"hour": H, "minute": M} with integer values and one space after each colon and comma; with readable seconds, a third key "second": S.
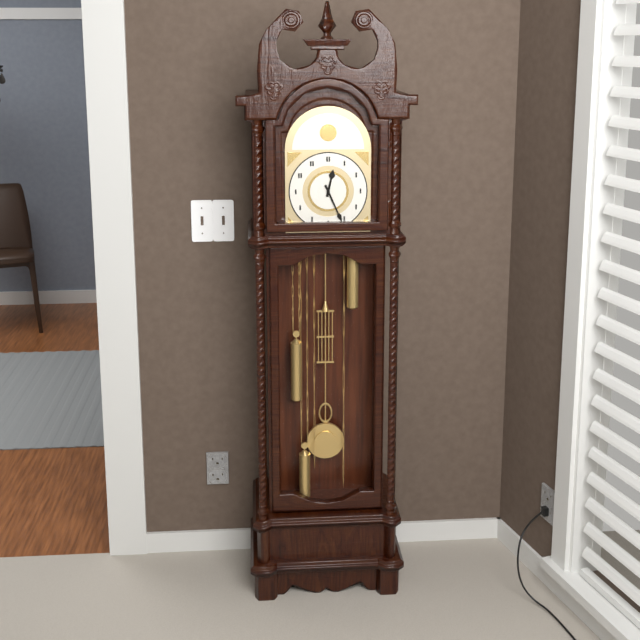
{"hour": 12, "minute": 26}
